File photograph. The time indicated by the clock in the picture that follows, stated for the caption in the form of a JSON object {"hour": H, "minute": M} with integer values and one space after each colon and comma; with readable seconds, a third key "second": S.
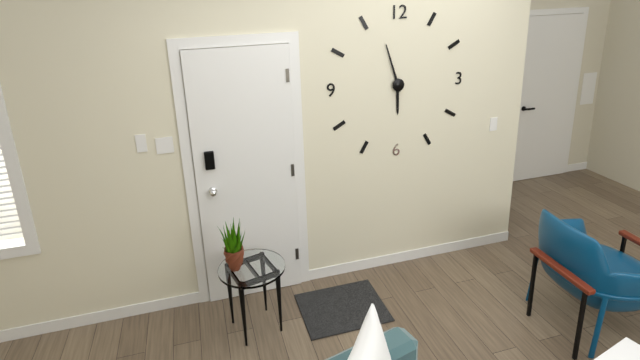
{"hour": 5, "minute": 57}
